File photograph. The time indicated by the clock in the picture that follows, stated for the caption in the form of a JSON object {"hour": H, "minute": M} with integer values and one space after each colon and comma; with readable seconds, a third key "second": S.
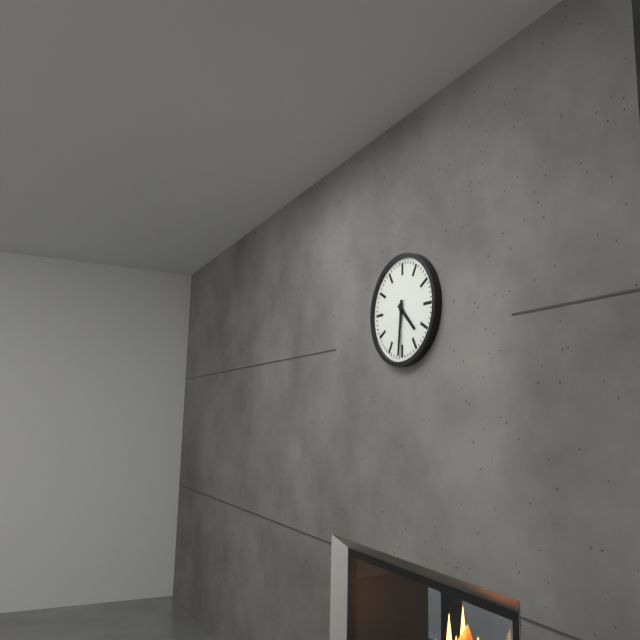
{"hour": 4, "minute": 31}
